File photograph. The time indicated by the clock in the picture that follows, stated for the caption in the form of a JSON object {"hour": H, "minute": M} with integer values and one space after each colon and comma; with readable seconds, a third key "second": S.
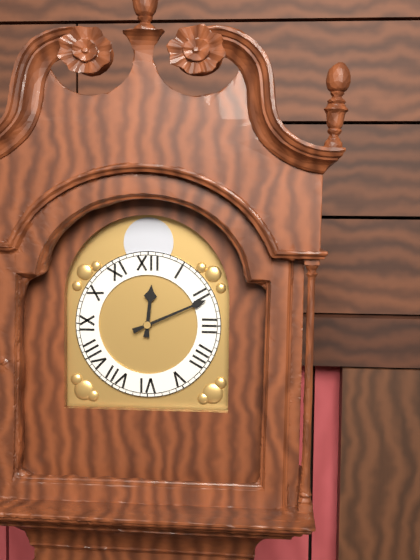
{"hour": 12, "minute": 11}
